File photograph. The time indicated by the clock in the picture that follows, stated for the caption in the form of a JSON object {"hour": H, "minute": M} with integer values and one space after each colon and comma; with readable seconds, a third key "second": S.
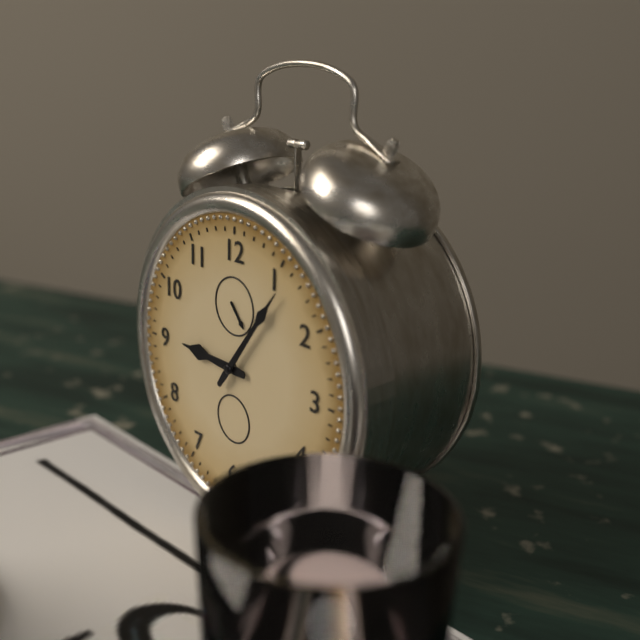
{"hour": 9, "minute": 6}
